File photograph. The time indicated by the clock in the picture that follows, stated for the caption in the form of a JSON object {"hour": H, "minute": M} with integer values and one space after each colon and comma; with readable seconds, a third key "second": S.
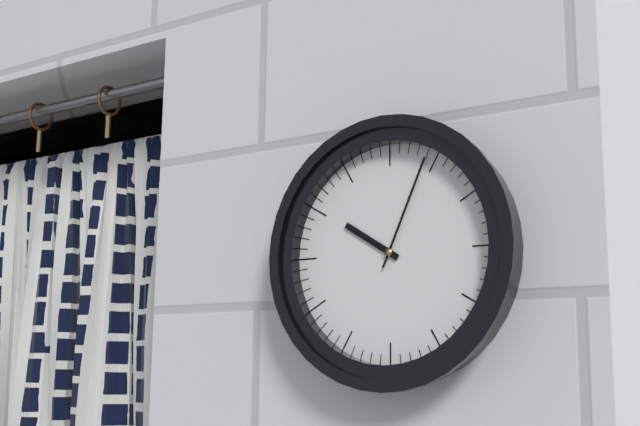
{"hour": 10, "minute": 4}
